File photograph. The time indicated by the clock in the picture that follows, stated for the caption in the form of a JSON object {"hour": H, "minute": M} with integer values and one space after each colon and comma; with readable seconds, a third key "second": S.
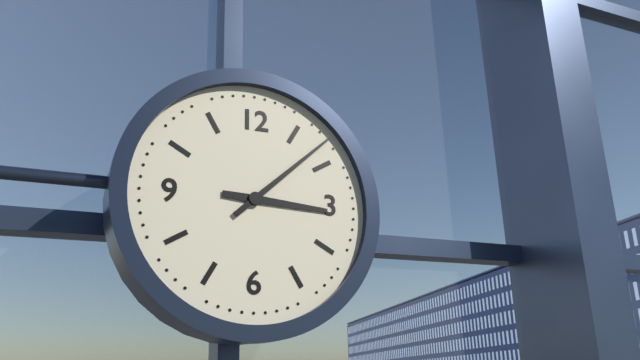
{"hour": 3, "minute": 8}
